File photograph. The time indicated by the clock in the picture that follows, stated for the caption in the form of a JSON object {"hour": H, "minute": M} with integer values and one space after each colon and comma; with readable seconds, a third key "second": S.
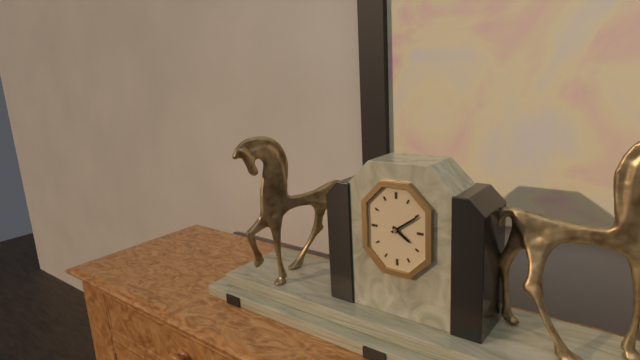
{"hour": 4, "minute": 9}
